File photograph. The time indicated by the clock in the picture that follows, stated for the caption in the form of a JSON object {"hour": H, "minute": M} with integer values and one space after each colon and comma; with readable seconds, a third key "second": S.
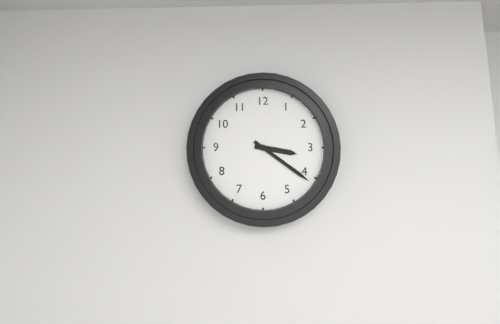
{"hour": 3, "minute": 21}
